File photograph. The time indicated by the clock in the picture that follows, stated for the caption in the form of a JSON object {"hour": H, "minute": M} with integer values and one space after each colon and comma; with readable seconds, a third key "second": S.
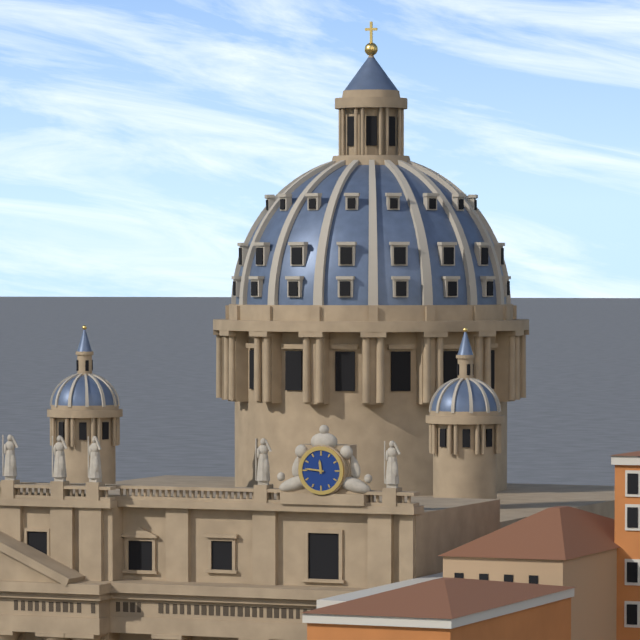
{"hour": 11, "minute": 46}
